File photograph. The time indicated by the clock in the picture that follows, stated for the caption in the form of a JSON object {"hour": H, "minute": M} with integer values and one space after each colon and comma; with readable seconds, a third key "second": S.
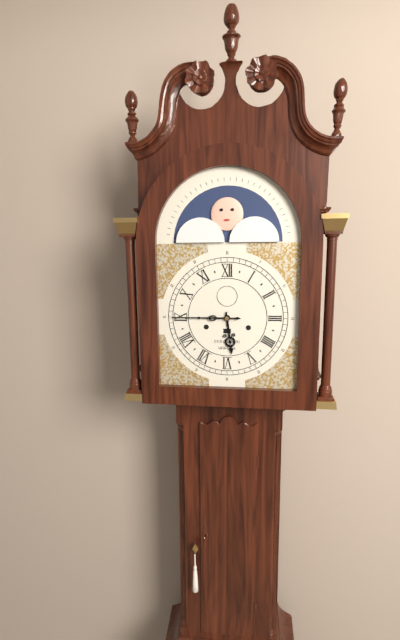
{"hour": 5, "minute": 45}
